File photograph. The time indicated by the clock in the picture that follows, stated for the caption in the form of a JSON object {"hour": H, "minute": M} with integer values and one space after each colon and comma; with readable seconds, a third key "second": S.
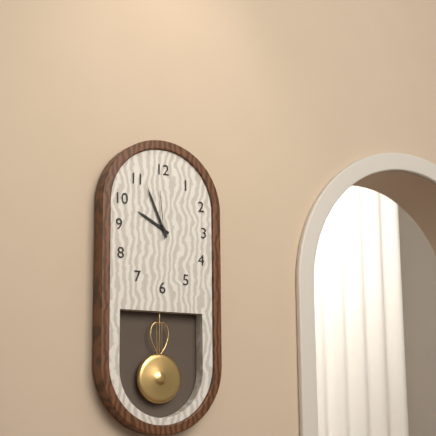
{"hour": 9, "minute": 56}
